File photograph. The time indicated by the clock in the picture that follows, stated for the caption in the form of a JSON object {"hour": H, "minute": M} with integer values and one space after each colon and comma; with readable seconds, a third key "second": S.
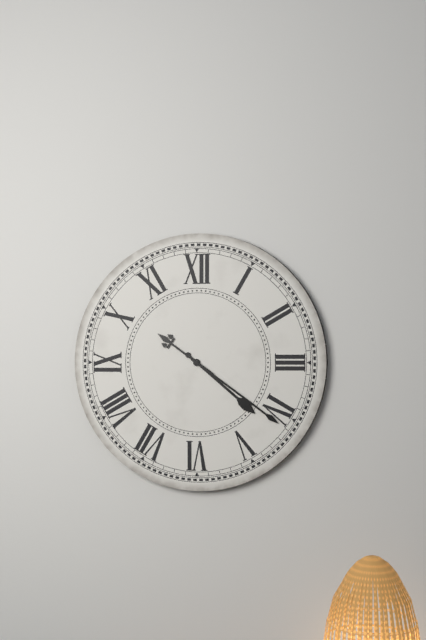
{"hour": 4, "minute": 21}
